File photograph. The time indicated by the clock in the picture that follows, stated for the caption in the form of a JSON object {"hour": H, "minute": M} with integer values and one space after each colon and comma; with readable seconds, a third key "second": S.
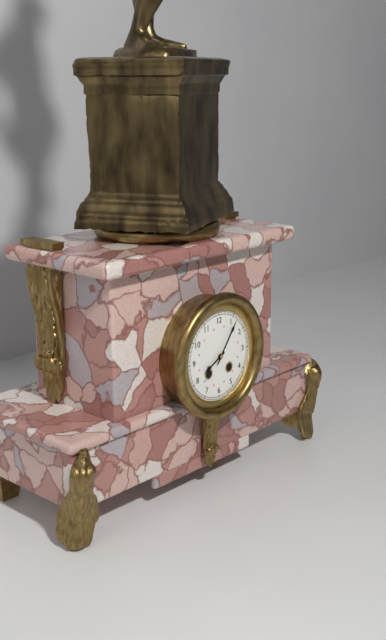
{"hour": 8, "minute": 6}
